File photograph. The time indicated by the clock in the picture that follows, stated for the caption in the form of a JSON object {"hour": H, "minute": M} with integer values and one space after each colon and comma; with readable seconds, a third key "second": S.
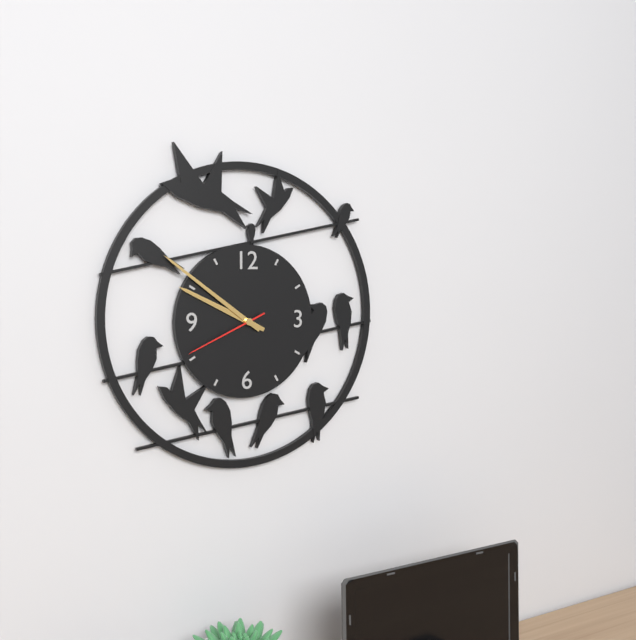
{"hour": 9, "minute": 51, "second": 41}
